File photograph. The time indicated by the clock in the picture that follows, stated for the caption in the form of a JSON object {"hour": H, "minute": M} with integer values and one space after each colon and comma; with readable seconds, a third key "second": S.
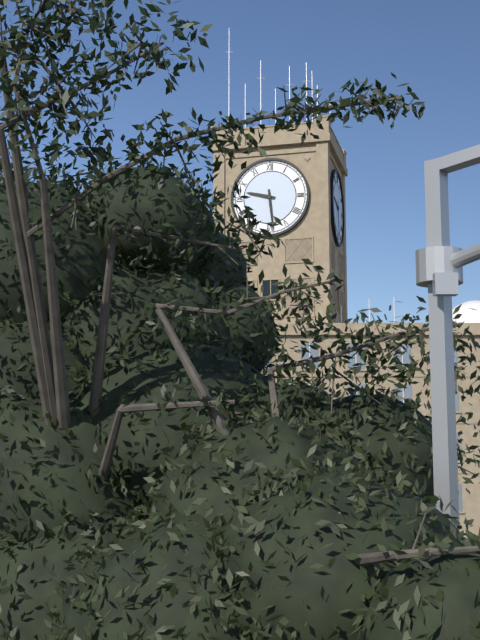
{"hour": 9, "minute": 29}
